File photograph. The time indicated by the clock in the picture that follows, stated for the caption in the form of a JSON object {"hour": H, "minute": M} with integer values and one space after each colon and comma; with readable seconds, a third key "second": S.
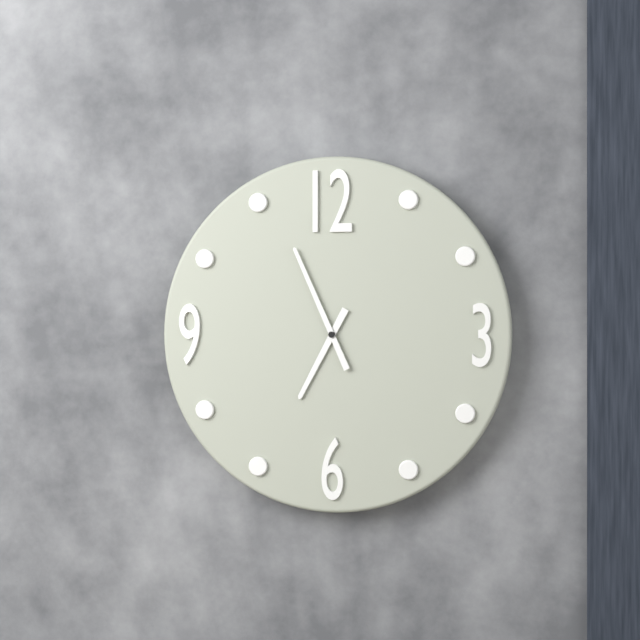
{"hour": 6, "minute": 56}
